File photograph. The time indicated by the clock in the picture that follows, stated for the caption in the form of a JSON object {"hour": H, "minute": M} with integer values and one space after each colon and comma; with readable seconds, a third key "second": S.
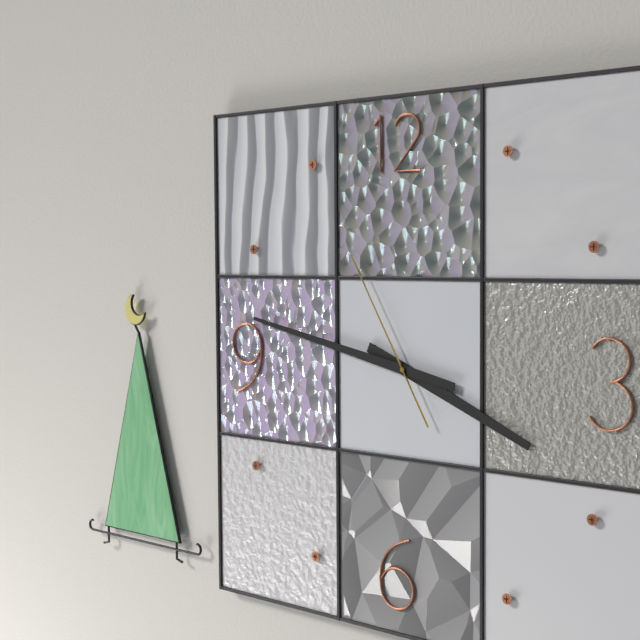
{"hour": 3, "minute": 47, "second": 55}
